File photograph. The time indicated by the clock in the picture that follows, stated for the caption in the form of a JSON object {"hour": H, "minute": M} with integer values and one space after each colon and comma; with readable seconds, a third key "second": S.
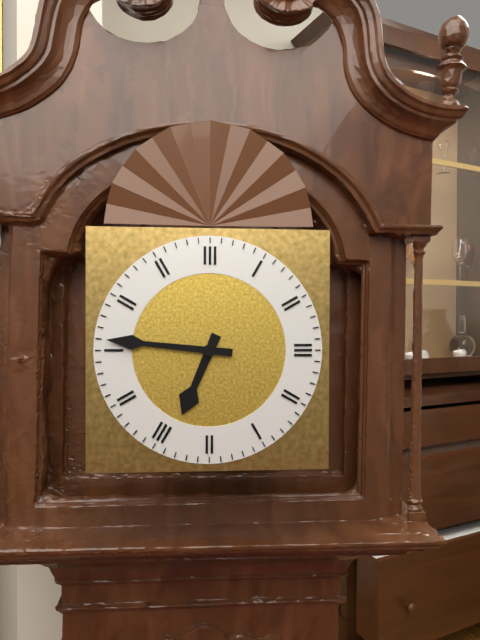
{"hour": 6, "minute": 46}
